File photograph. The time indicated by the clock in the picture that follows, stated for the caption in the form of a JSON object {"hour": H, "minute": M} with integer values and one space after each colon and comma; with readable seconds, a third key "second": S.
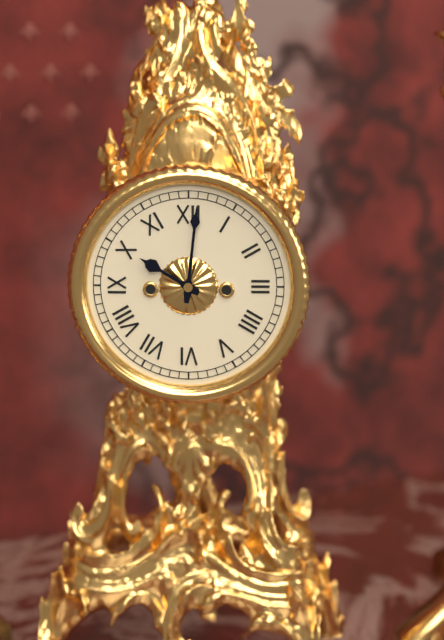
{"hour": 10, "minute": 1}
